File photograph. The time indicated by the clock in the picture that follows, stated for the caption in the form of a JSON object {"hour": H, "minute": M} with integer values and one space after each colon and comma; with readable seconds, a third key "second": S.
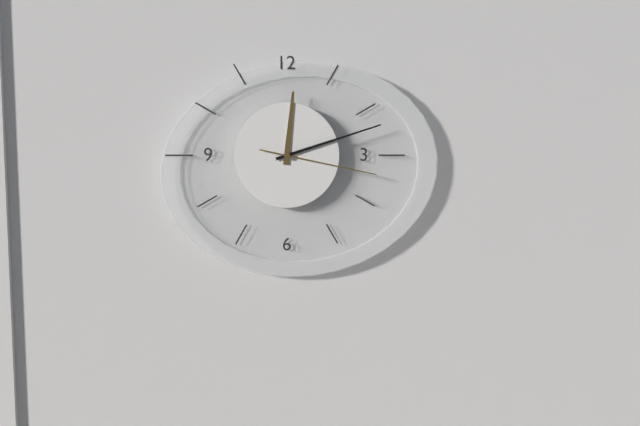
{"hour": 12, "minute": 12, "second": 17}
